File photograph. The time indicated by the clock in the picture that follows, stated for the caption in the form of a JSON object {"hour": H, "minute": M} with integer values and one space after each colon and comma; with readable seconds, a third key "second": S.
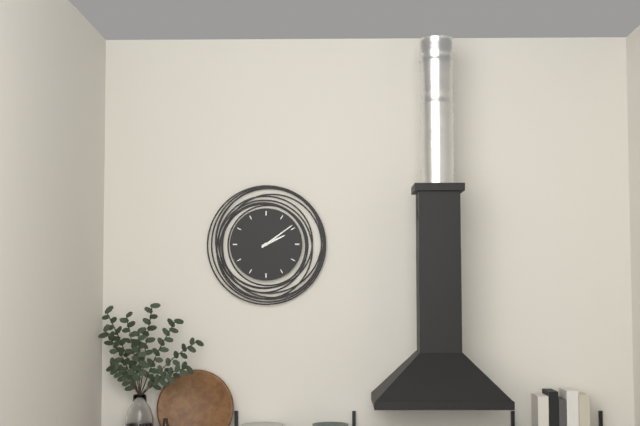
{"hour": 2, "minute": 9}
